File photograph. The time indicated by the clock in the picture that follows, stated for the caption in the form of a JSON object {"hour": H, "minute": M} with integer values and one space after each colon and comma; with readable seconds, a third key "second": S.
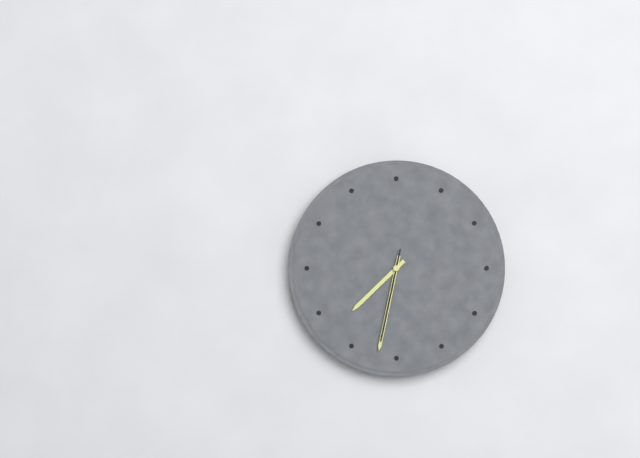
{"hour": 7, "minute": 32, "second": 32}
